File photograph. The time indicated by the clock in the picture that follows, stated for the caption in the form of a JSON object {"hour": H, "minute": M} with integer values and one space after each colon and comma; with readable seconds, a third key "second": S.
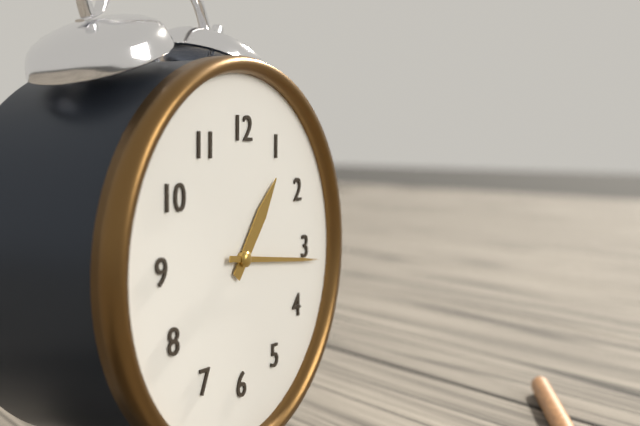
{"hour": 1, "minute": 16}
